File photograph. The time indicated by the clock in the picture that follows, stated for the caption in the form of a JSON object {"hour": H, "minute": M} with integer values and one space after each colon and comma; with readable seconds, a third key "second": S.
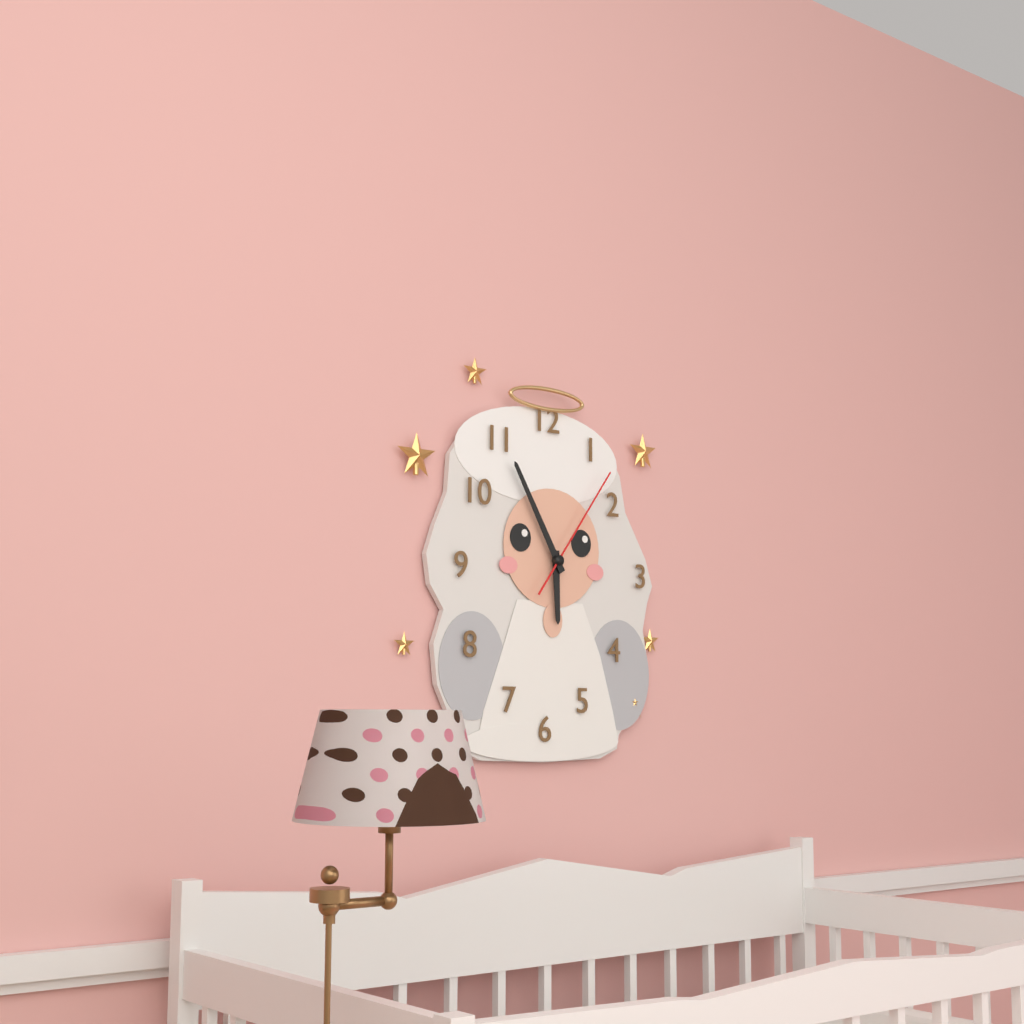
{"hour": 5, "minute": 55, "second": 6}
